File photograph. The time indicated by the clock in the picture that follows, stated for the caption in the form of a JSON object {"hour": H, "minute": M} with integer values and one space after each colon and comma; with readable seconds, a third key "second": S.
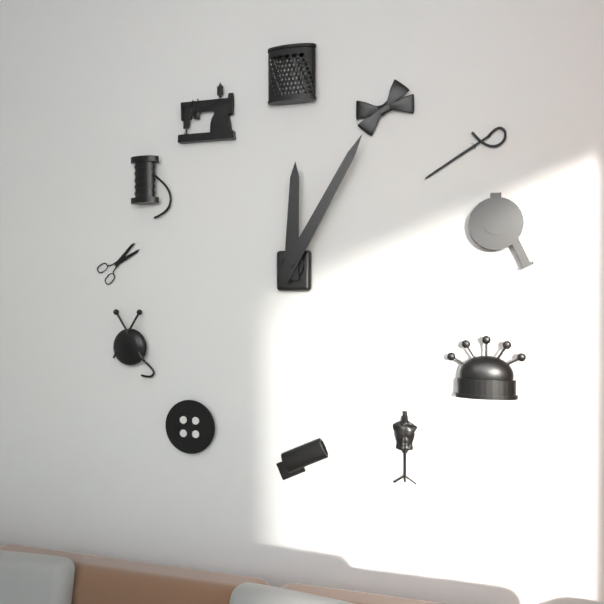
{"hour": 12, "minute": 5}
